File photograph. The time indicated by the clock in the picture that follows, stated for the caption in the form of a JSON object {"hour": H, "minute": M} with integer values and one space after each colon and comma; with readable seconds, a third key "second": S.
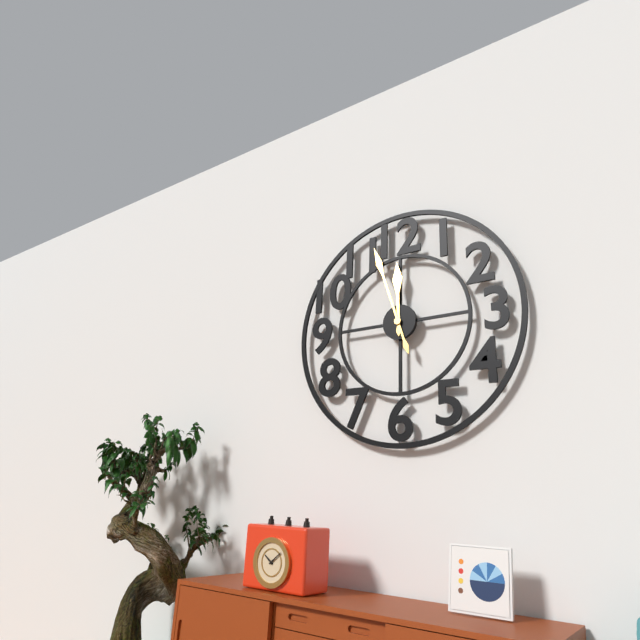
{"hour": 11, "minute": 57}
